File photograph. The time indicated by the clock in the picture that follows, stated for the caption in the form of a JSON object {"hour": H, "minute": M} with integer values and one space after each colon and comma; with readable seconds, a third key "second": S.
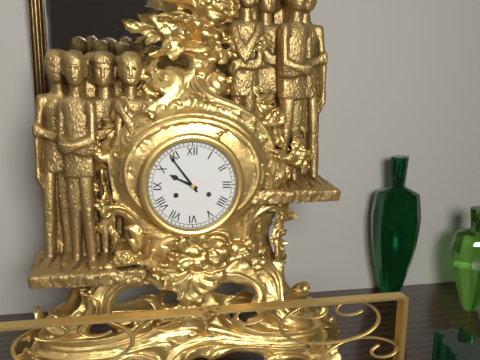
{"hour": 9, "minute": 54}
